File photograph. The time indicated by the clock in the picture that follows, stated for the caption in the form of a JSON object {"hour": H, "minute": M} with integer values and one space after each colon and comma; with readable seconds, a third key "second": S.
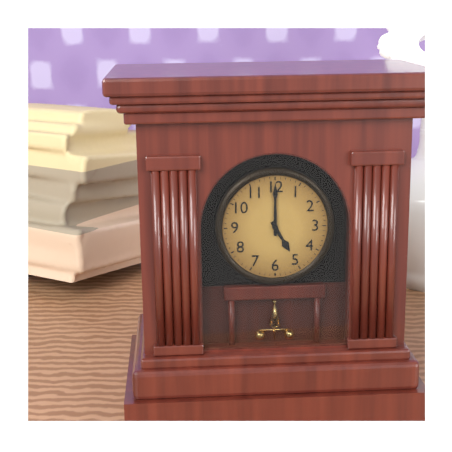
{"hour": 5, "minute": 0}
